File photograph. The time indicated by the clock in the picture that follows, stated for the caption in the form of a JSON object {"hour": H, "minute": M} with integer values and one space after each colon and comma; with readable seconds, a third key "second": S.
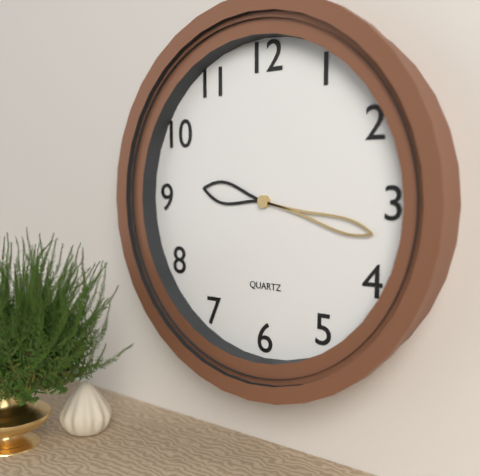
{"hour": 9, "minute": 17}
